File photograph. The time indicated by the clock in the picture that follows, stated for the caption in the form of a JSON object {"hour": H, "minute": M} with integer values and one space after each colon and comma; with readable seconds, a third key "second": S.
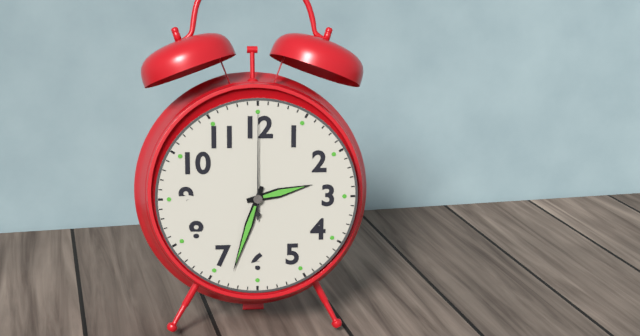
{"hour": 2, "minute": 33, "second": 0}
